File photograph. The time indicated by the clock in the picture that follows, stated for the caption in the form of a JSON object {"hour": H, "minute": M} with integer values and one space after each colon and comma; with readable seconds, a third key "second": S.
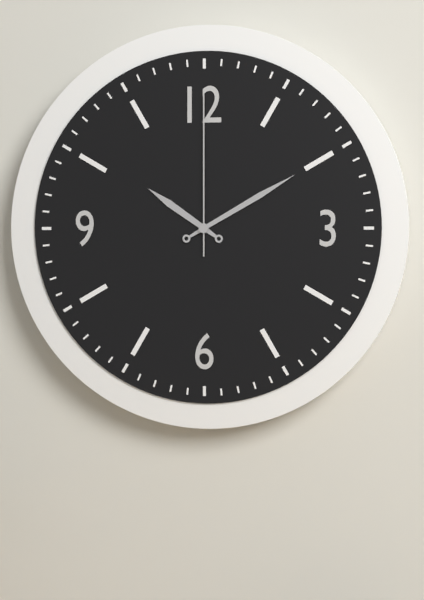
{"hour": 10, "minute": 10, "second": 0}
